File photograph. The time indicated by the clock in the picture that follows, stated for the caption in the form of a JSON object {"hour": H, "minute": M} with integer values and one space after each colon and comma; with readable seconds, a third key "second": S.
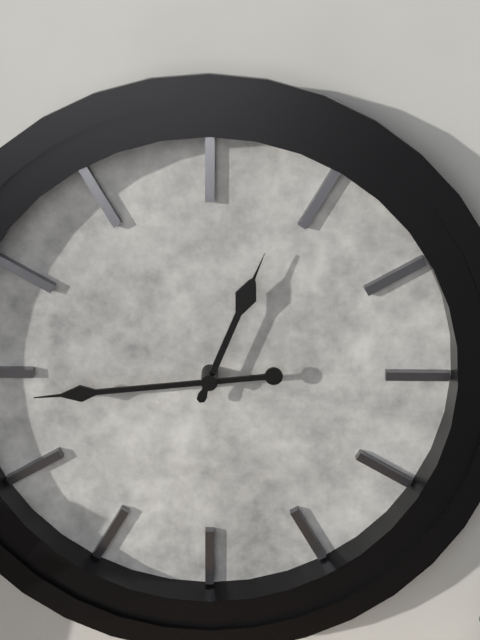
{"hour": 12, "minute": 44}
